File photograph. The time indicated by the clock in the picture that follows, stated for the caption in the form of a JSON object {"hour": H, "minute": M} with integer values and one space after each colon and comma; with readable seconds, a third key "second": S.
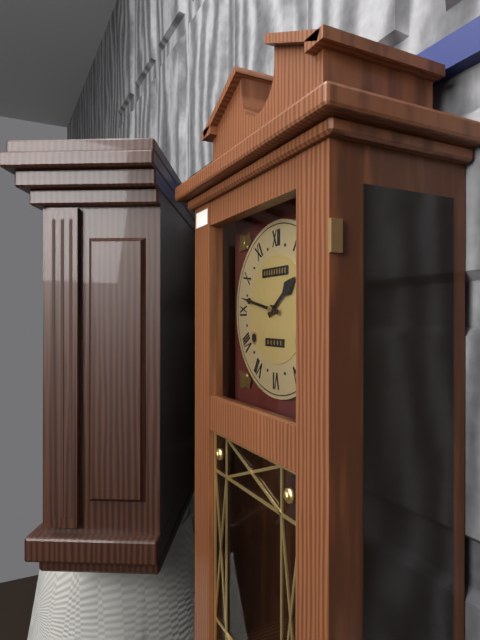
{"hour": 1, "minute": 47}
